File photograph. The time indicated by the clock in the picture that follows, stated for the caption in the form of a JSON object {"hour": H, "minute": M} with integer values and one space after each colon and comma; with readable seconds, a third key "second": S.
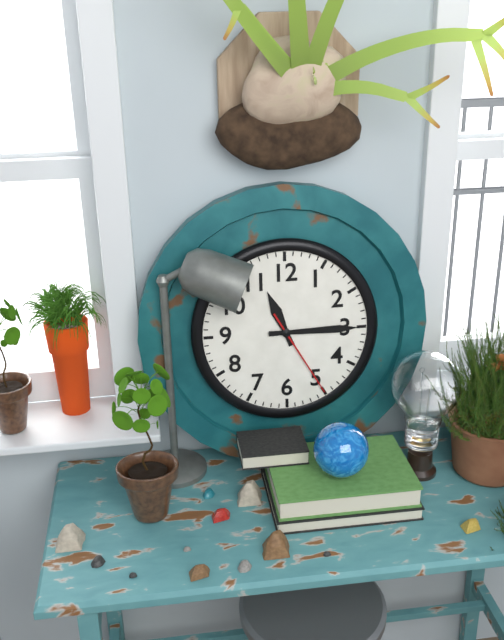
{"hour": 11, "minute": 15, "second": 25}
